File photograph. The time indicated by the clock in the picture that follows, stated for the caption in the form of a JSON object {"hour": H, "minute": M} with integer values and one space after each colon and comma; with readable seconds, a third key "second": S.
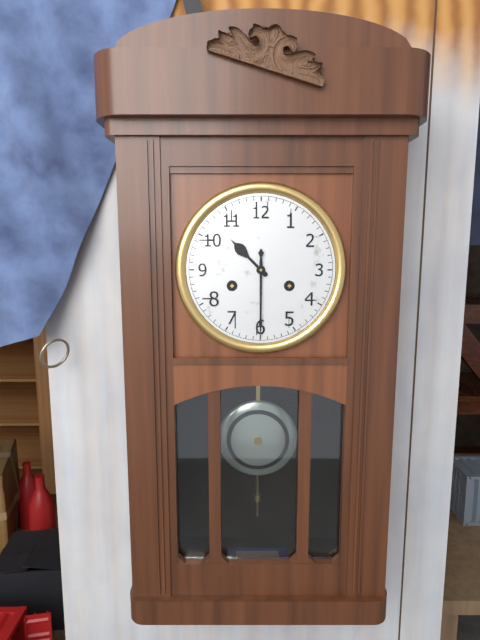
{"hour": 10, "minute": 30}
